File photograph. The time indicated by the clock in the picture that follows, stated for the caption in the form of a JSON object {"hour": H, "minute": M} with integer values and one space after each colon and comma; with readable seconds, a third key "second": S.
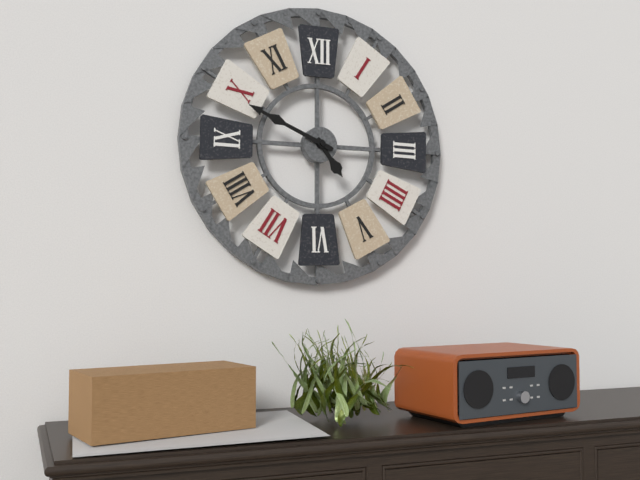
{"hour": 4, "minute": 49}
